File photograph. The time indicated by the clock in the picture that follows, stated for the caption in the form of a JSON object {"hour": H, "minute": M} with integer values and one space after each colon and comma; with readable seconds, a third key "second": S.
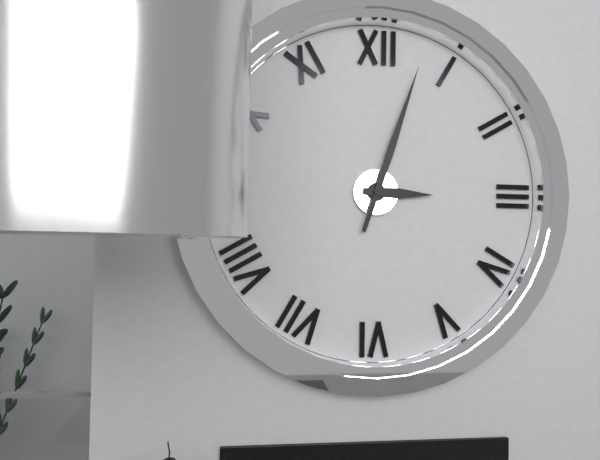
{"hour": 3, "minute": 3}
